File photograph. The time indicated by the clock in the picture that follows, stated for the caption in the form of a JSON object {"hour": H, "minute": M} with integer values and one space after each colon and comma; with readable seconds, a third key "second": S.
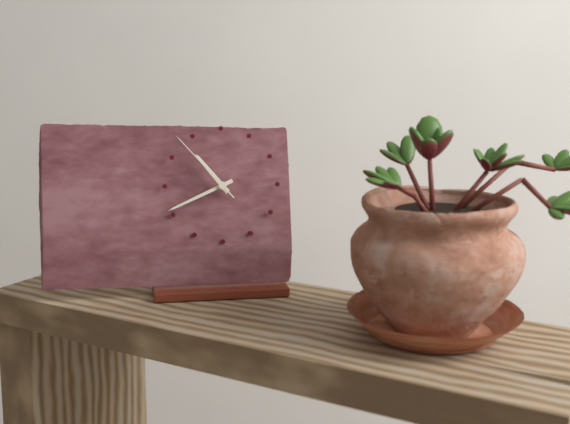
{"hour": 10, "minute": 41, "second": 53}
